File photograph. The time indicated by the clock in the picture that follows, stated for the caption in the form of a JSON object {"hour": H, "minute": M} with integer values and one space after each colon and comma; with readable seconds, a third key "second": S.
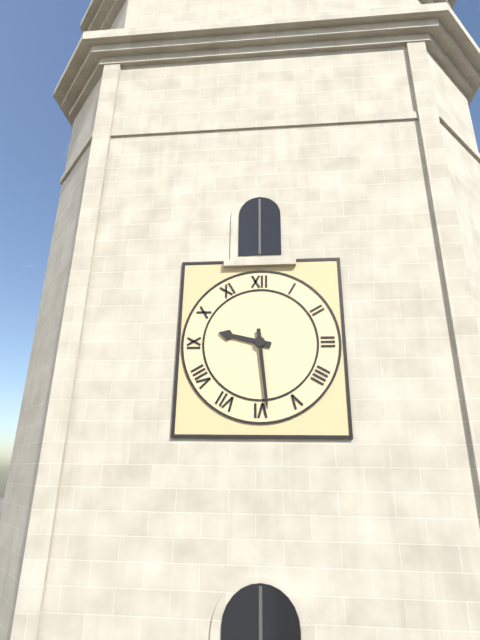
{"hour": 9, "minute": 29}
